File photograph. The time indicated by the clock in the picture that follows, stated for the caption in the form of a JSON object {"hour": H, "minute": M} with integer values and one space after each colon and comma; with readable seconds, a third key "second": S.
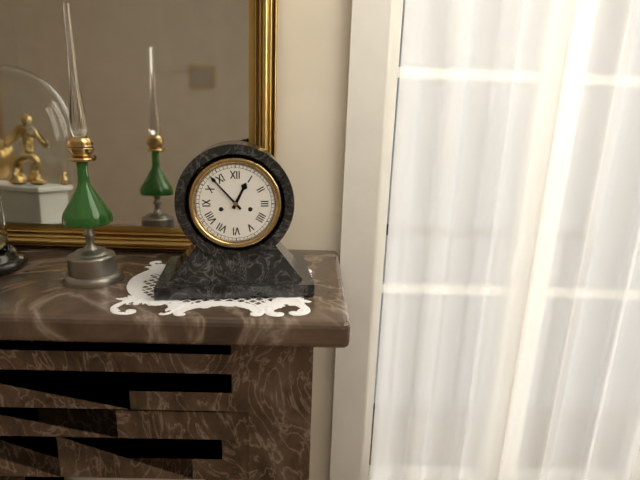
{"hour": 12, "minute": 53}
